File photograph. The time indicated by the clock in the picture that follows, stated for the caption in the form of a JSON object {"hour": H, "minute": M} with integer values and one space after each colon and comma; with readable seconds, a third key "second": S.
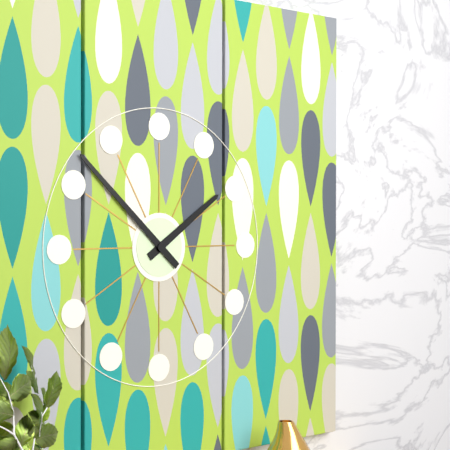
{"hour": 1, "minute": 52}
